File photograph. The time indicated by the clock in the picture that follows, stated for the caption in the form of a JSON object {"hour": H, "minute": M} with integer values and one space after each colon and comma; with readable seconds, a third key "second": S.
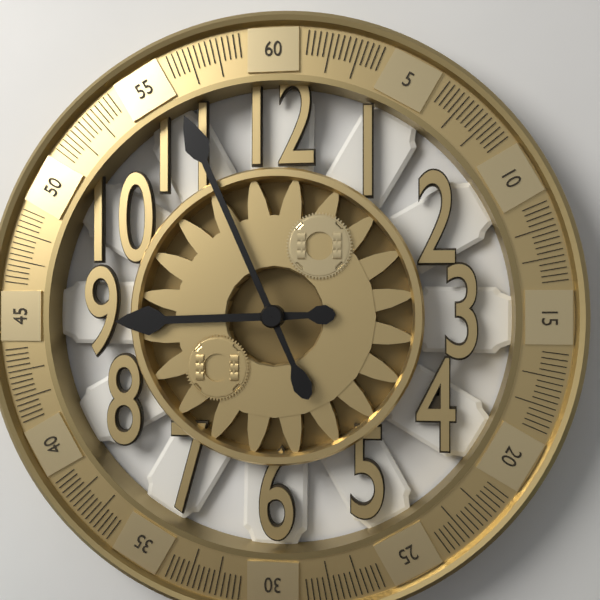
{"hour": 8, "minute": 56}
